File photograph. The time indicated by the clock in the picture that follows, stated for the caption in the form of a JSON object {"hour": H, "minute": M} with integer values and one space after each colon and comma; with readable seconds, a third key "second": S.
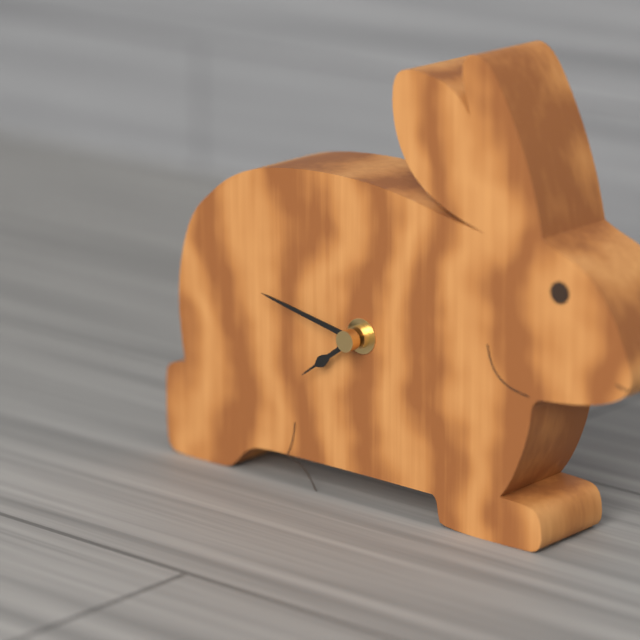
{"hour": 7, "minute": 47}
